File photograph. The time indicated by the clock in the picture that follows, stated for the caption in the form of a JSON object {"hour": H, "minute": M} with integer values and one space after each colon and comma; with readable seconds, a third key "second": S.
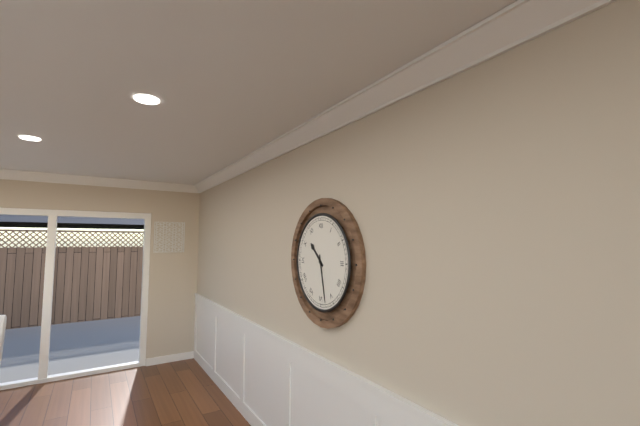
{"hour": 10, "minute": 28}
